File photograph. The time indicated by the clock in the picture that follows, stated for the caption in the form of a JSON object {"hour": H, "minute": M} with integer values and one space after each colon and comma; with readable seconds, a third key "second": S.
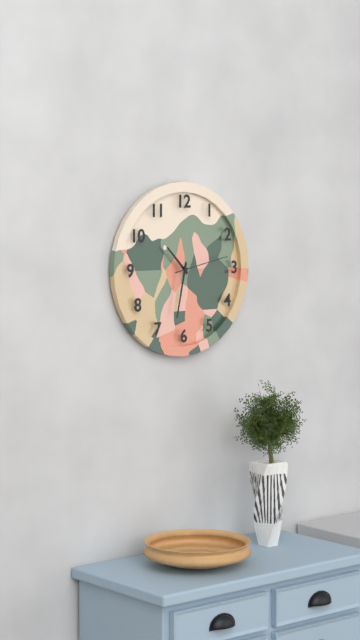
{"hour": 10, "minute": 32, "second": 13}
